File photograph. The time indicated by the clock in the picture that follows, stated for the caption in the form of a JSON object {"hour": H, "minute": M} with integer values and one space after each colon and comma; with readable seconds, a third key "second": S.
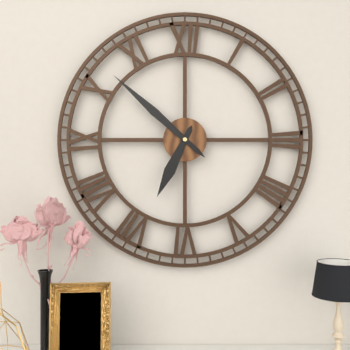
{"hour": 6, "minute": 52}
